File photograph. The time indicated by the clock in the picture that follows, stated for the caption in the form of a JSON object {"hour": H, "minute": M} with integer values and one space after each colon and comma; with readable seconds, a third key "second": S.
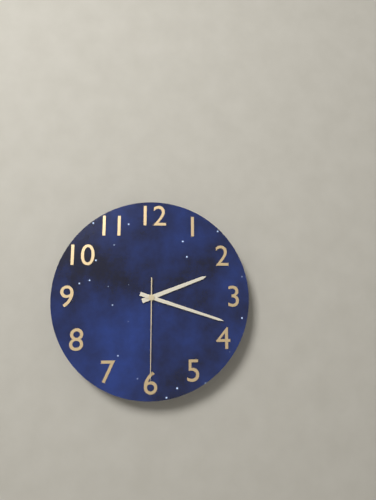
{"hour": 2, "minute": 18, "second": 30}
